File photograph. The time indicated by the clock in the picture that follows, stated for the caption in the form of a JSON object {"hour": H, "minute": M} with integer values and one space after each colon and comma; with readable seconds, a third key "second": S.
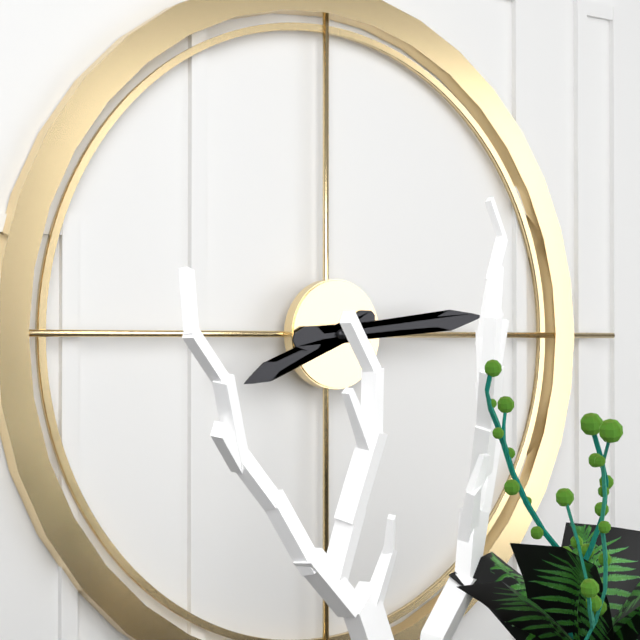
{"hour": 8, "minute": 14}
